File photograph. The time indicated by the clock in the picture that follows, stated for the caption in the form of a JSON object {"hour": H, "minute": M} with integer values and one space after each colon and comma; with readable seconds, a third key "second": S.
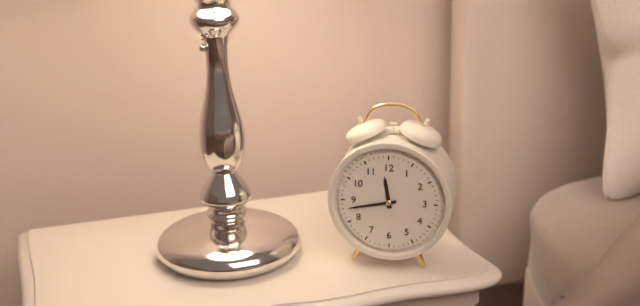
{"hour": 11, "minute": 43}
